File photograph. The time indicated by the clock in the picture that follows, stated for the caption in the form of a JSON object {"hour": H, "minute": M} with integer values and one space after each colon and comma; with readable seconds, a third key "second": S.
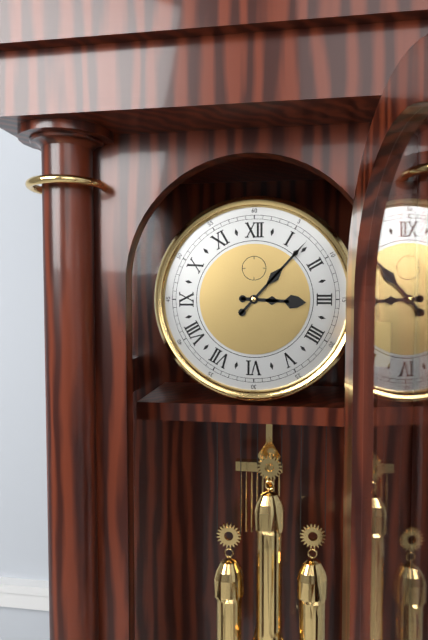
{"hour": 3, "minute": 7}
